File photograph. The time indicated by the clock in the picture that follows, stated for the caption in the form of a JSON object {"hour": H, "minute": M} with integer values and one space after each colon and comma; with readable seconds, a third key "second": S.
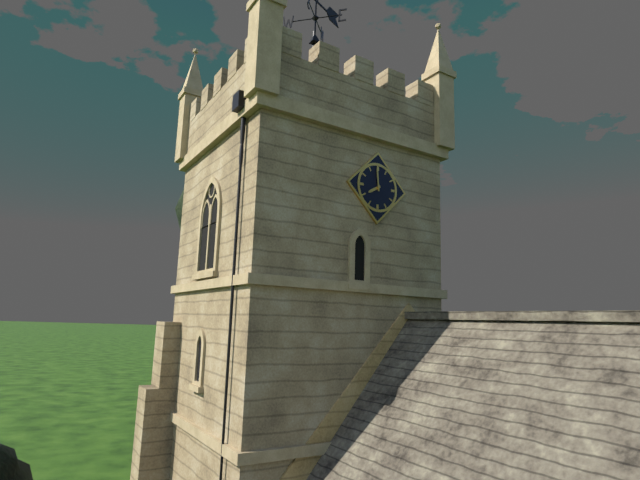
{"hour": 7, "minute": 59}
